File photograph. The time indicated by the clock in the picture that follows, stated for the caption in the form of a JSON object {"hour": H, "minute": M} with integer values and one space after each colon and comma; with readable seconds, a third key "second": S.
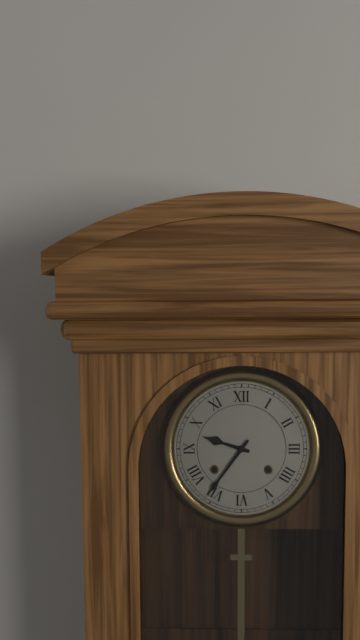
{"hour": 9, "minute": 36}
